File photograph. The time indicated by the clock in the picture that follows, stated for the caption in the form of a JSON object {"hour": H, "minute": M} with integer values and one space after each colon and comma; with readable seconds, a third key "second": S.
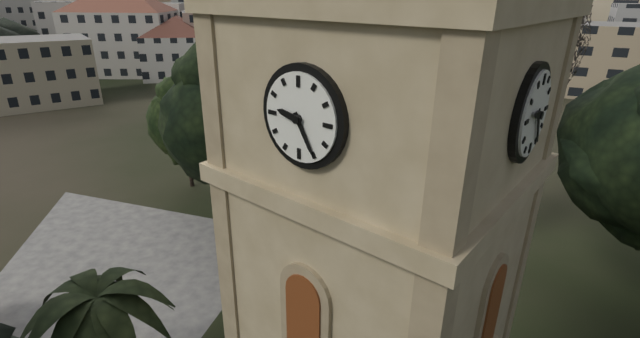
{"hour": 9, "minute": 25}
